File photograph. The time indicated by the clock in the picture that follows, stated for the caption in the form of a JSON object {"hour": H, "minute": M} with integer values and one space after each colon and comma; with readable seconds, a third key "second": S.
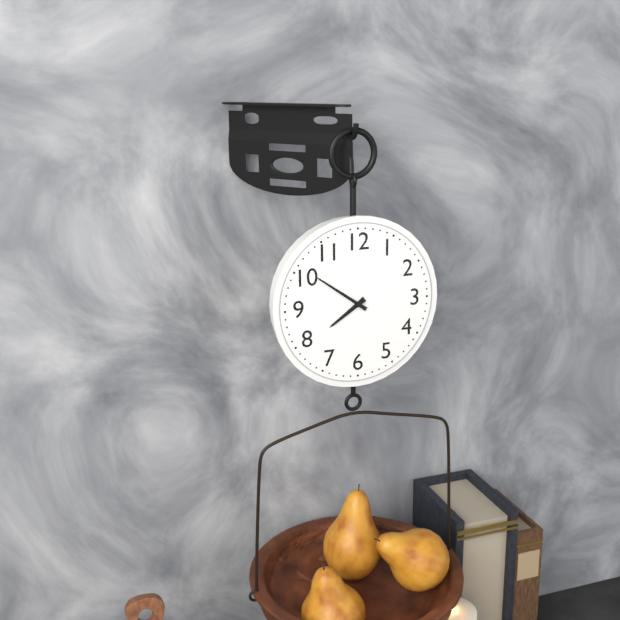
{"hour": 7, "minute": 51}
